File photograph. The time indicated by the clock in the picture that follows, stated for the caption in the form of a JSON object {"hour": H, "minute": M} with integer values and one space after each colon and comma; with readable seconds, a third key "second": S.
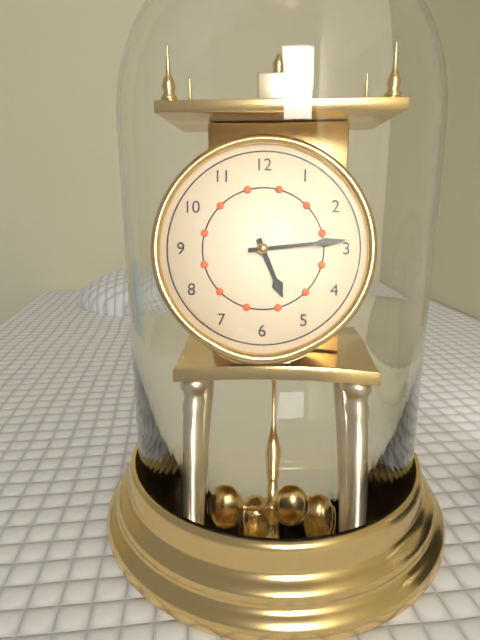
{"hour": 5, "minute": 14}
